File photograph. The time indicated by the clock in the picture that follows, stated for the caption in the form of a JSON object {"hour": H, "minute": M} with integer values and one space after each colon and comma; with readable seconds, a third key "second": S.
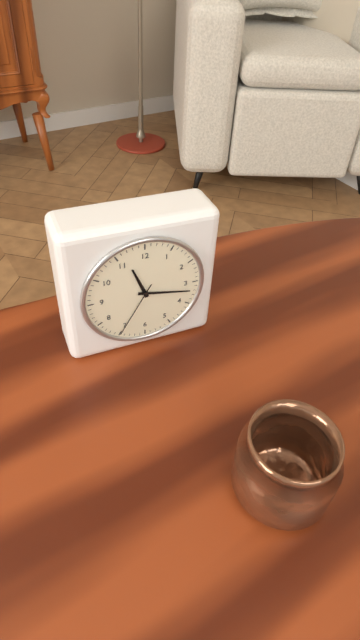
{"hour": 11, "minute": 17, "second": 35}
